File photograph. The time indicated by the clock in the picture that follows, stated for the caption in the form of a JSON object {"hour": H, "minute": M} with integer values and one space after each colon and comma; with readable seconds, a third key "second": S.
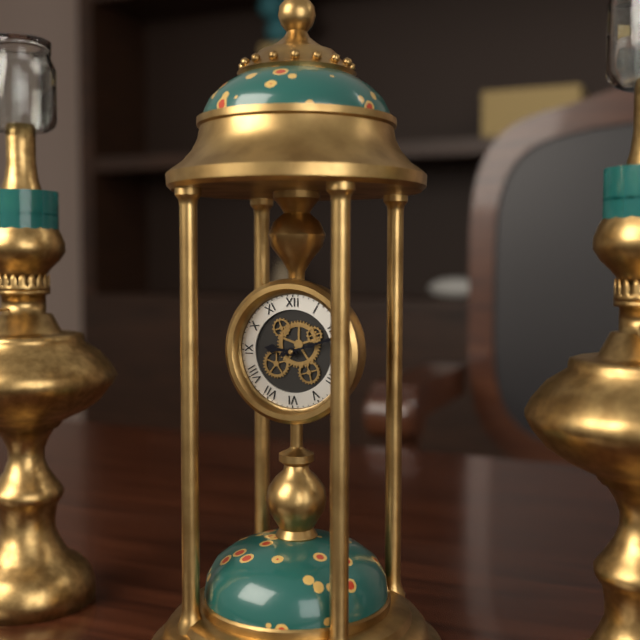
{"hour": 9, "minute": 12}
